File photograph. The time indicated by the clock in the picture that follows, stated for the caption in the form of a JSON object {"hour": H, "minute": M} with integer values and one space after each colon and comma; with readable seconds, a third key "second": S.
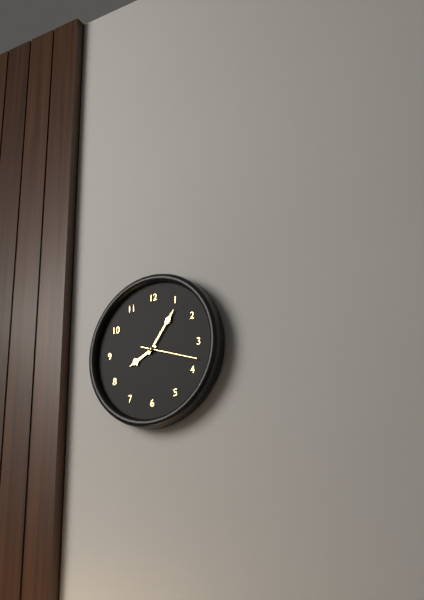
{"hour": 8, "minute": 6}
